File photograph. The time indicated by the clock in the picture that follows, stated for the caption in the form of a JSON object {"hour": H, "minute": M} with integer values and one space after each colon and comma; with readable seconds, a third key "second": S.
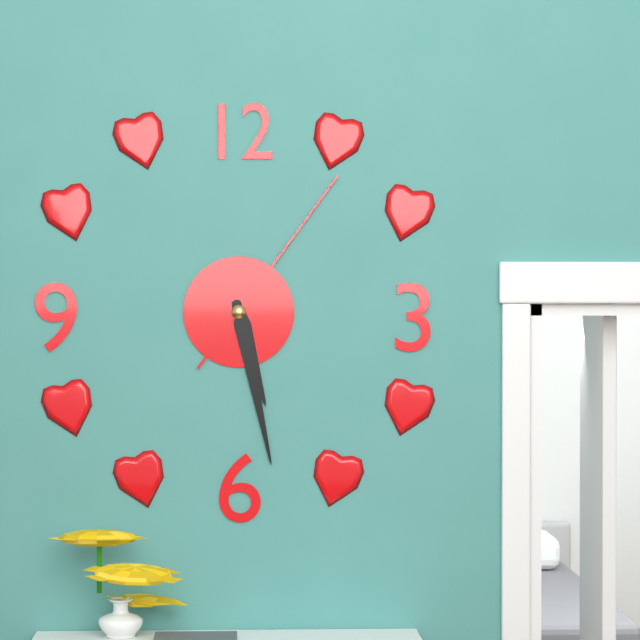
{"hour": 5, "minute": 28, "second": 6}
